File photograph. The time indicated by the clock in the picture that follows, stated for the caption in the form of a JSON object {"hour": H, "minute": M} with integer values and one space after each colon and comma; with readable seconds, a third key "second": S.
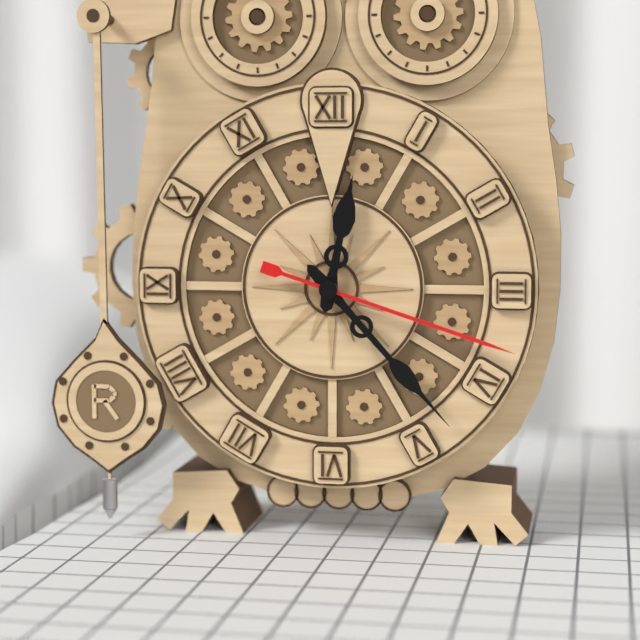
{"hour": 12, "minute": 23, "second": 18}
